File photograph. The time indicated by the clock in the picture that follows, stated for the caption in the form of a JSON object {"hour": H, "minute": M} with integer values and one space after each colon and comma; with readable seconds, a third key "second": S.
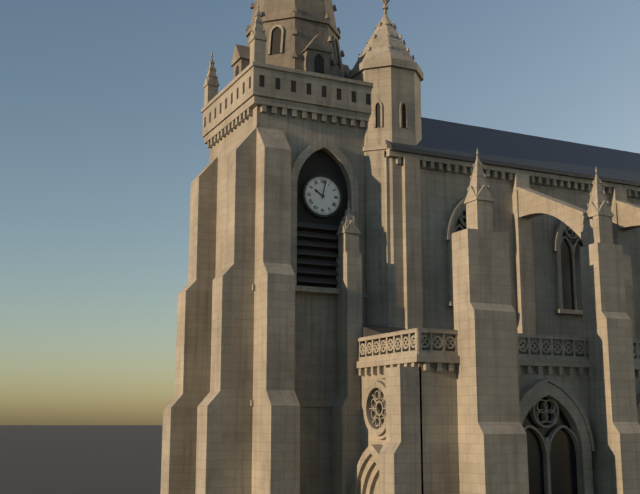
{"hour": 10, "minute": 2}
